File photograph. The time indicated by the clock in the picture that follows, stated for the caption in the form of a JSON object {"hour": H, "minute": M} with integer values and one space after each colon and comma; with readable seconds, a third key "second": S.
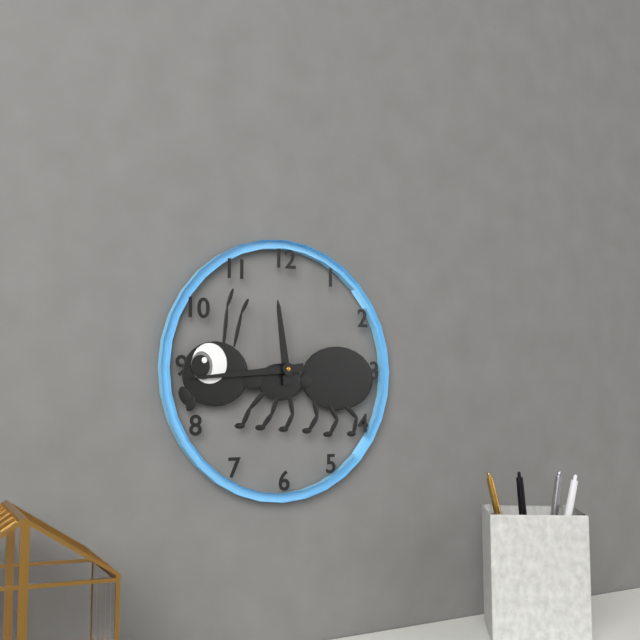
{"hour": 11, "minute": 44}
